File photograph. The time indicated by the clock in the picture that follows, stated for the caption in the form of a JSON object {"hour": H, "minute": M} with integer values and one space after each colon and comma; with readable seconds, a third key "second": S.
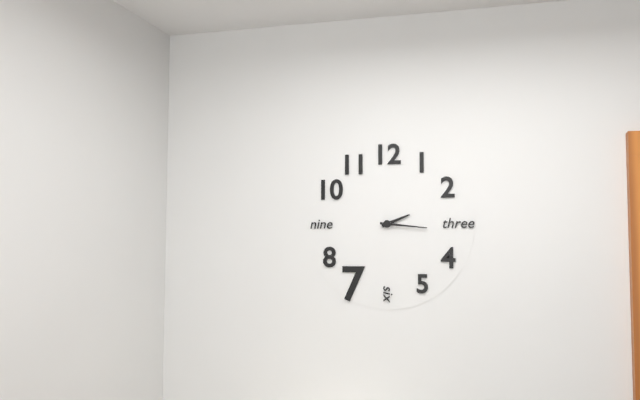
{"hour": 2, "minute": 16}
